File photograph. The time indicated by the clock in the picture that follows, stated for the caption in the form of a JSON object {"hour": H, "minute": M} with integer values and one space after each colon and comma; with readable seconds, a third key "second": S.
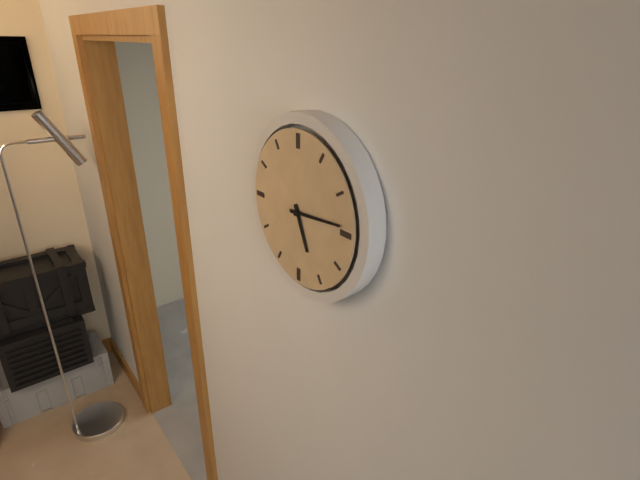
{"hour": 5, "minute": 14}
